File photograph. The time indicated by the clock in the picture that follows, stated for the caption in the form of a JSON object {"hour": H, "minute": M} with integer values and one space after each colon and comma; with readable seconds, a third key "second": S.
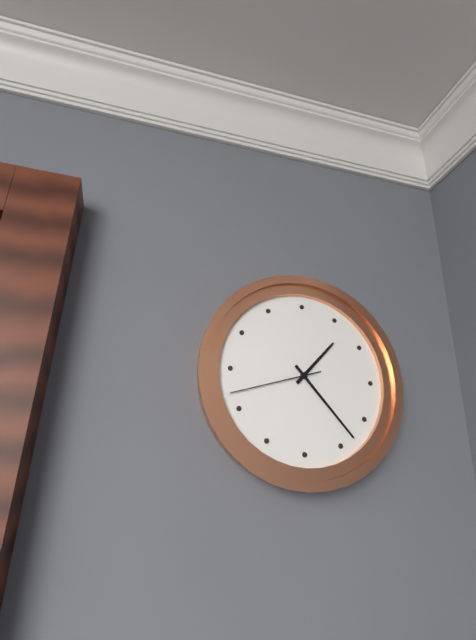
{"hour": 1, "minute": 23, "second": 42}
